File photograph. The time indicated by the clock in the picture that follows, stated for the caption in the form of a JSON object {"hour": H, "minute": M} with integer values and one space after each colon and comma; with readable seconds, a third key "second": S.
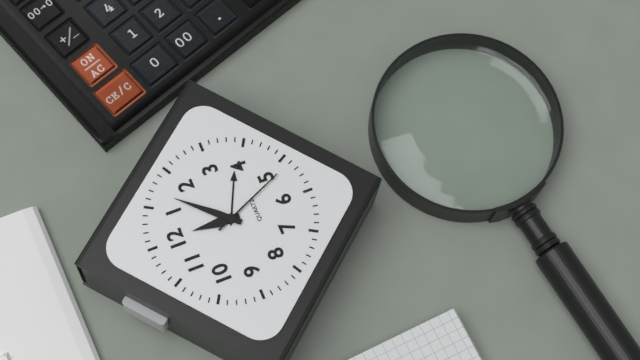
{"hour": 12, "minute": 7, "second": 26}
